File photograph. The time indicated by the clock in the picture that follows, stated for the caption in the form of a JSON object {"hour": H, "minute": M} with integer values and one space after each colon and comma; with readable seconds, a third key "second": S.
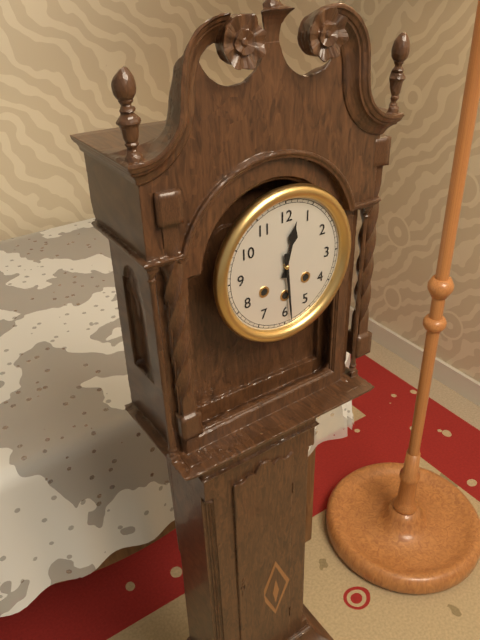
{"hour": 12, "minute": 29}
